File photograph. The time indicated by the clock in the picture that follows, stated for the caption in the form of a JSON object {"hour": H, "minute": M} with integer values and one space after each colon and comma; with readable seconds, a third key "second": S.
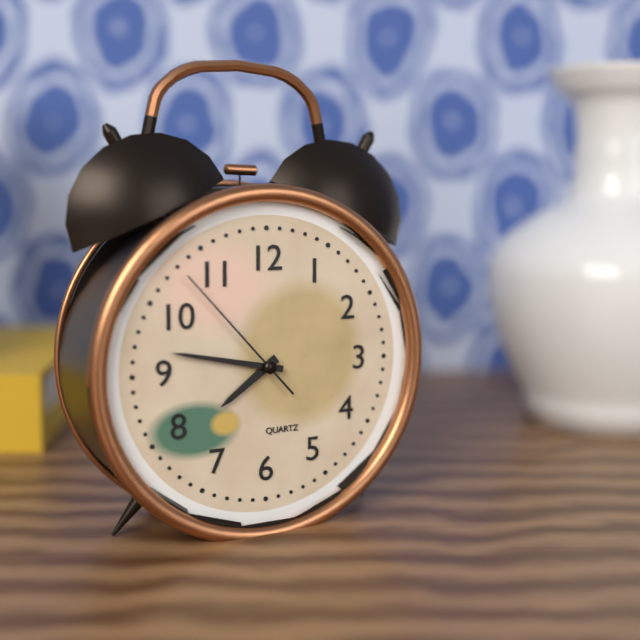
{"hour": 7, "minute": 47, "second": 53}
